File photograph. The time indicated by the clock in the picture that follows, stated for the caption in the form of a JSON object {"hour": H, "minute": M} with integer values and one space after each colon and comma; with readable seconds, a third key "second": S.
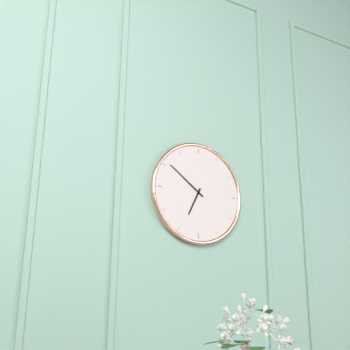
{"hour": 6, "minute": 51}
